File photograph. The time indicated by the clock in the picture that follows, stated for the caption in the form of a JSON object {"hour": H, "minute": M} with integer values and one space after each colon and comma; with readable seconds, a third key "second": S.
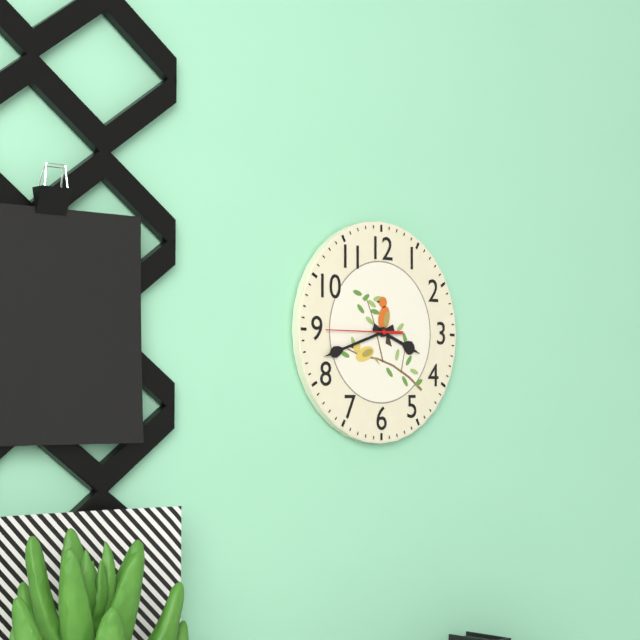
{"hour": 3, "minute": 42, "second": 45}
